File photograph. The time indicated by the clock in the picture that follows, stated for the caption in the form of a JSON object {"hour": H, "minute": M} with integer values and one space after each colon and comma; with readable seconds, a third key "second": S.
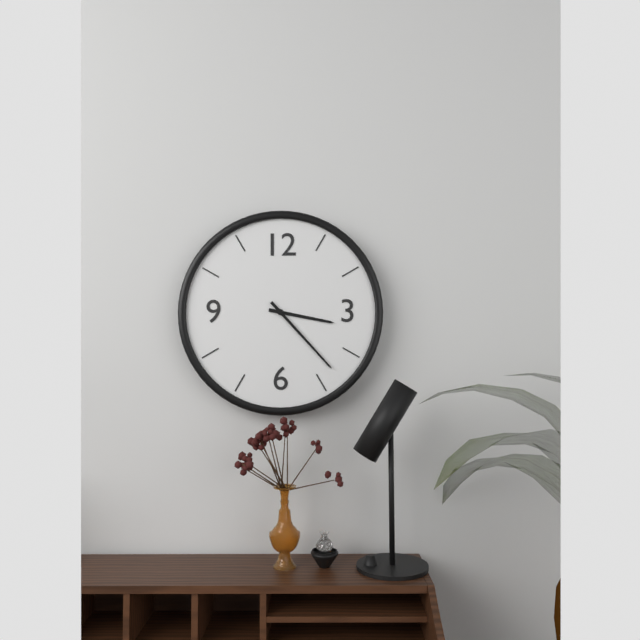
{"hour": 3, "minute": 23}
